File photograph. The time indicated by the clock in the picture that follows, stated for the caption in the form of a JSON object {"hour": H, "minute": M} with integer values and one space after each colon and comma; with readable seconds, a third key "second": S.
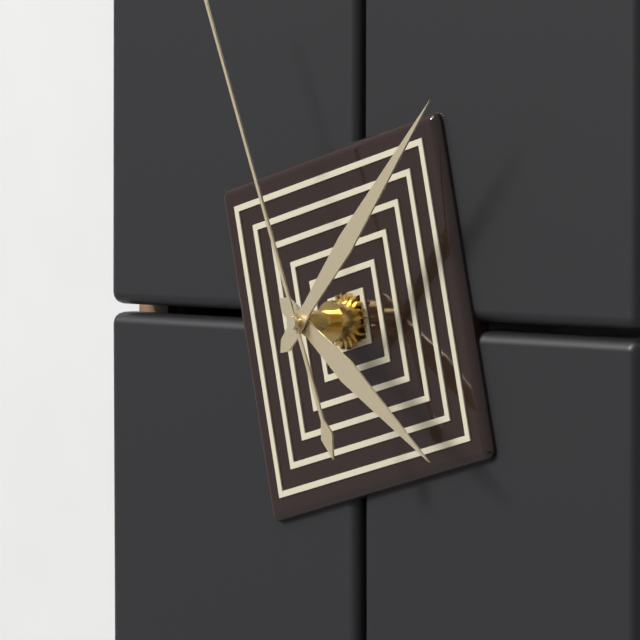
{"hour": 4, "minute": 7}
